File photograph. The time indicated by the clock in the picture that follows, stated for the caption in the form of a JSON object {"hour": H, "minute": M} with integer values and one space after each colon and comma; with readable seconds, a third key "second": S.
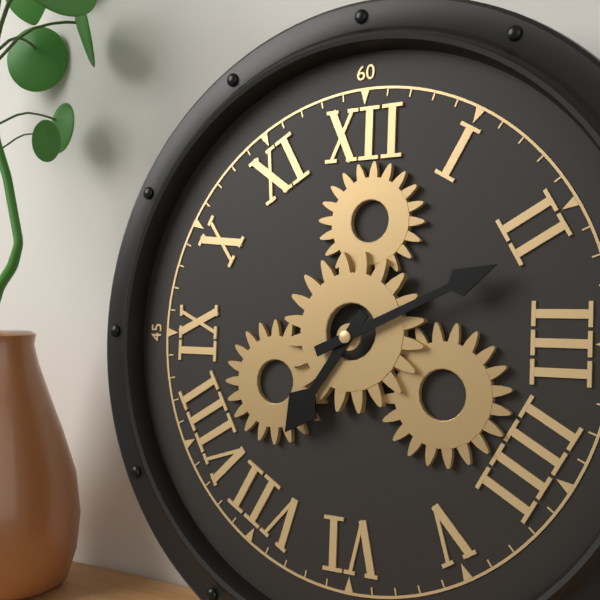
{"hour": 7, "minute": 11}
